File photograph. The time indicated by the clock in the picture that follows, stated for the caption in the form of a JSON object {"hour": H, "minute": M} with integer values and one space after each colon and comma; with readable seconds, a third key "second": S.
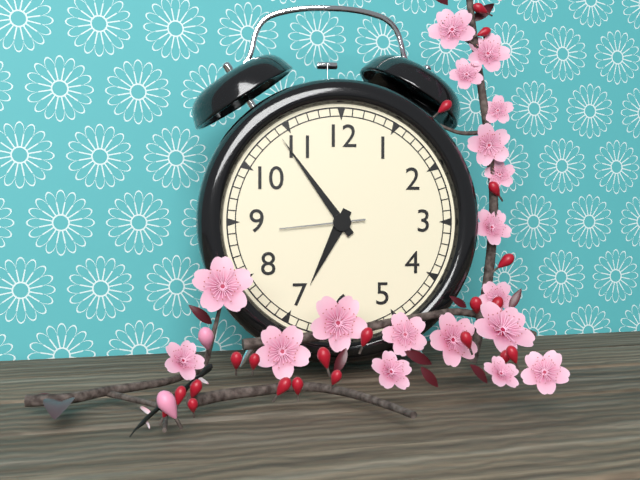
{"hour": 6, "minute": 54, "second": 44}
